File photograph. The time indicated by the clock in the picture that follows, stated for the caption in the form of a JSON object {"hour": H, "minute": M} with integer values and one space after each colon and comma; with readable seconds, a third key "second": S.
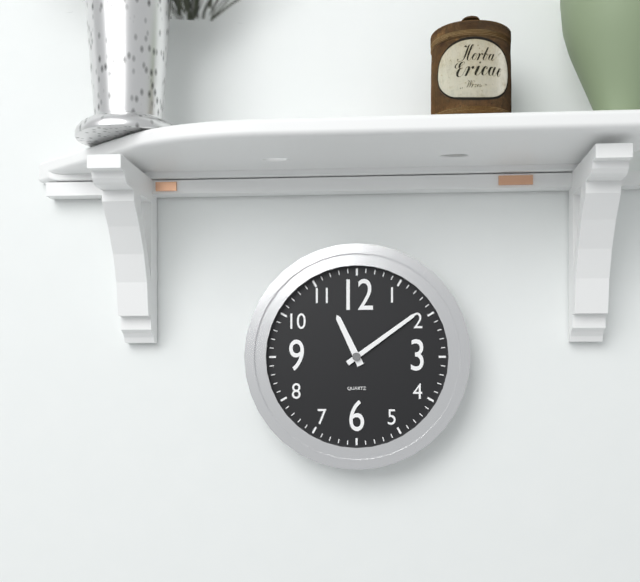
{"hour": 11, "minute": 9}
